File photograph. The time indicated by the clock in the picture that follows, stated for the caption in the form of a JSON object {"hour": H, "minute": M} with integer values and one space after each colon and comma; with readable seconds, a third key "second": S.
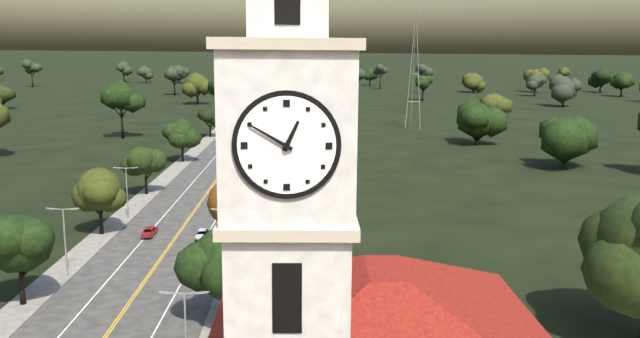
{"hour": 12, "minute": 50}
